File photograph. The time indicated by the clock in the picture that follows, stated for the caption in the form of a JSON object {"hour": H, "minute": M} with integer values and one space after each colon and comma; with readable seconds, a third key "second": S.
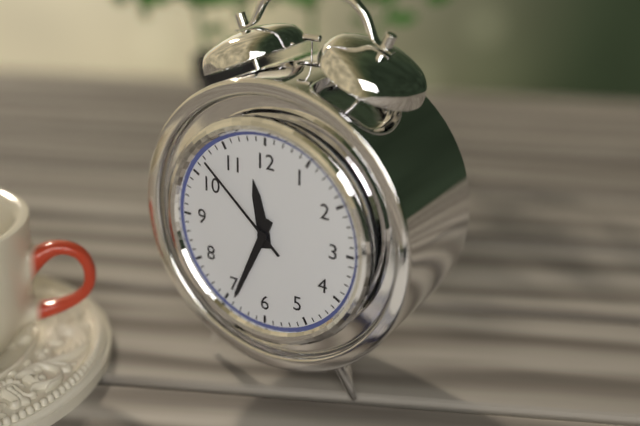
{"hour": 11, "minute": 34, "second": 52}
